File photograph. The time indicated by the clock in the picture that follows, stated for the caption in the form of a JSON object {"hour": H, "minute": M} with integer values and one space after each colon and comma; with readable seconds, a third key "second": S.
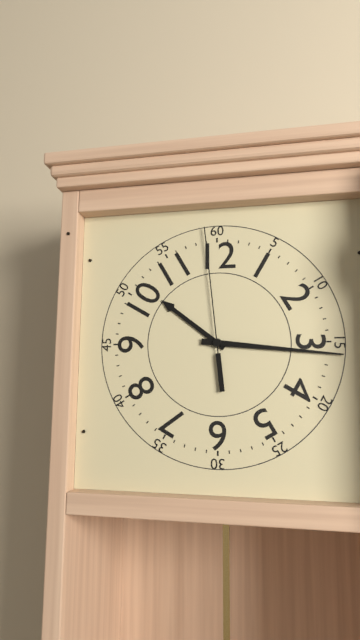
{"hour": 10, "minute": 16, "second": 59}
